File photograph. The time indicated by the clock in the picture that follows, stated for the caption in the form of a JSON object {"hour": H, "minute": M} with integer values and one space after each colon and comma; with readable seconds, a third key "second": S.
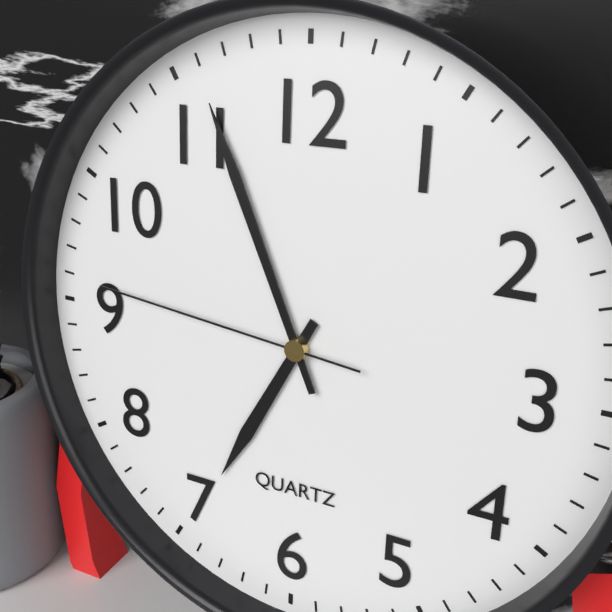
{"hour": 6, "minute": 56, "second": 46}
